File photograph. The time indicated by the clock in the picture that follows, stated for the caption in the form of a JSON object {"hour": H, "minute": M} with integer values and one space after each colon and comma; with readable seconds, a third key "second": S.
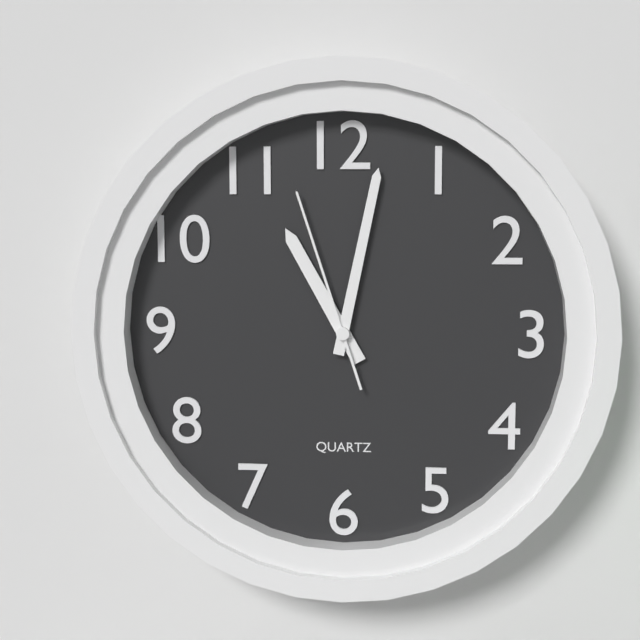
{"hour": 11, "minute": 2, "second": 57}
